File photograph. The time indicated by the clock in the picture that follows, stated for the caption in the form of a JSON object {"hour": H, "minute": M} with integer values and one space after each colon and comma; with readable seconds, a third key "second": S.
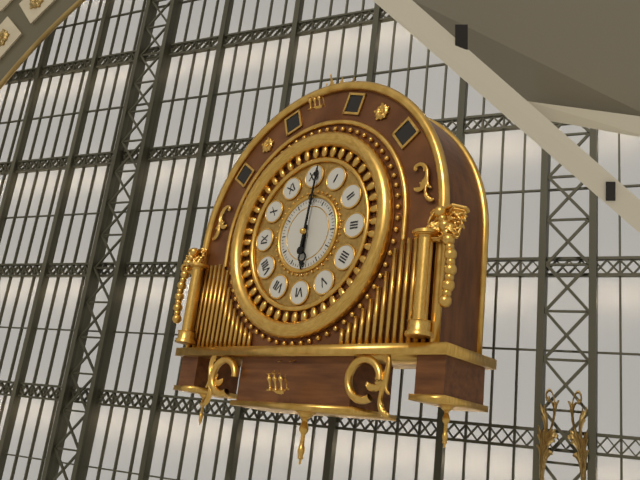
{"hour": 6, "minute": 1}
